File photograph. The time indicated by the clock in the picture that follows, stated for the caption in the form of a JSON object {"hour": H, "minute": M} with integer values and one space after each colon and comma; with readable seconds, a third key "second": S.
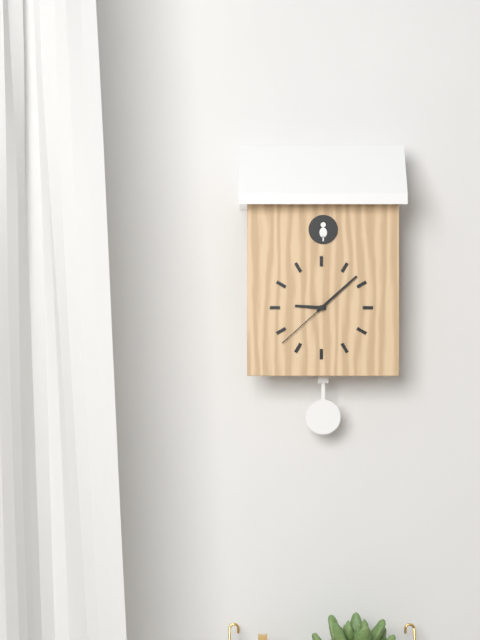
{"hour": 9, "minute": 8, "second": 38}
